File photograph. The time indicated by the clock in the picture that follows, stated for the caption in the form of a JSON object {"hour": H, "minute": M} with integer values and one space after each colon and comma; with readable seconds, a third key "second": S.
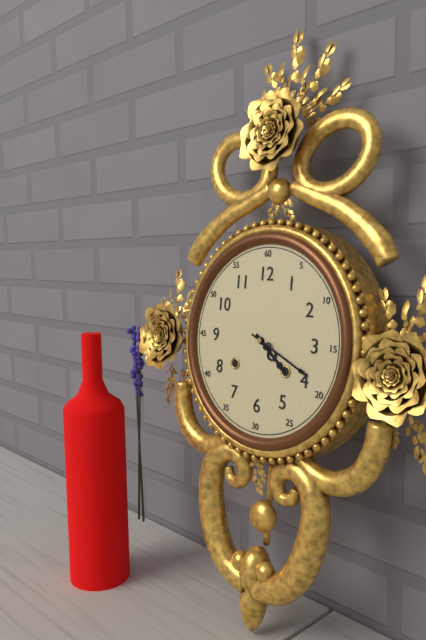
{"hour": 4, "minute": 19}
